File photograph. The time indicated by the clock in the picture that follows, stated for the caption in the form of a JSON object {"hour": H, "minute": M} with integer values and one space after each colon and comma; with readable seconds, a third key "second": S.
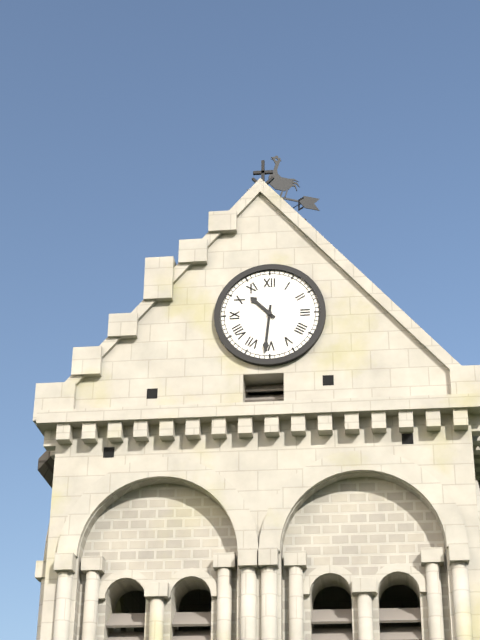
{"hour": 10, "minute": 31}
